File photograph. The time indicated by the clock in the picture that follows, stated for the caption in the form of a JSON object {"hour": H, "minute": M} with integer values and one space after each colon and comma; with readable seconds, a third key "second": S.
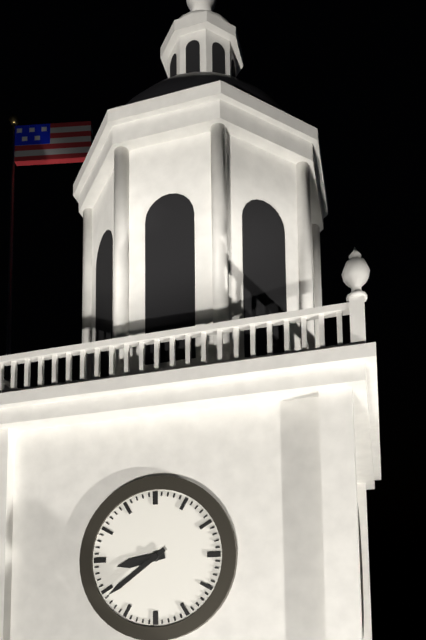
{"hour": 8, "minute": 39}
